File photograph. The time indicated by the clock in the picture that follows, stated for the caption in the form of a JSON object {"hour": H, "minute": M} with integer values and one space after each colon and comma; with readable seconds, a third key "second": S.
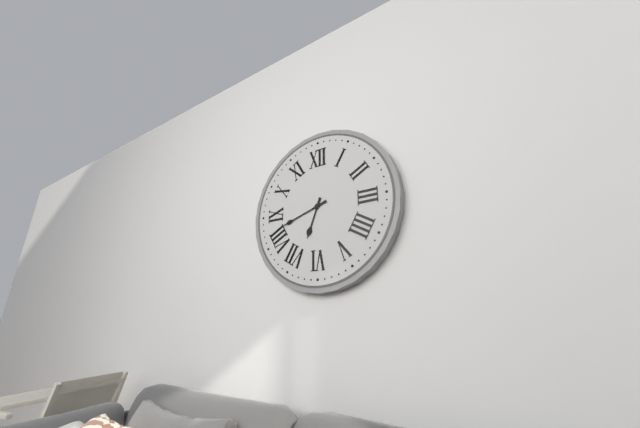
{"hour": 6, "minute": 42}
